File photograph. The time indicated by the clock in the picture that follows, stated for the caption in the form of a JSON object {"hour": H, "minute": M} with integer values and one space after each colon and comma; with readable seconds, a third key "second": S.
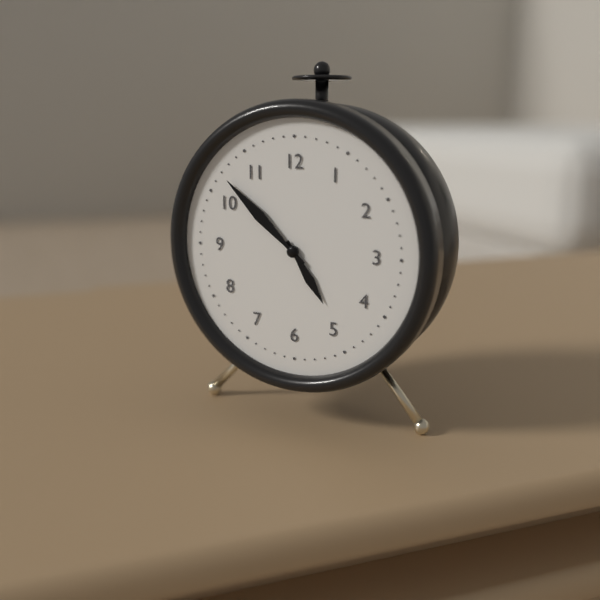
{"hour": 4, "minute": 52}
